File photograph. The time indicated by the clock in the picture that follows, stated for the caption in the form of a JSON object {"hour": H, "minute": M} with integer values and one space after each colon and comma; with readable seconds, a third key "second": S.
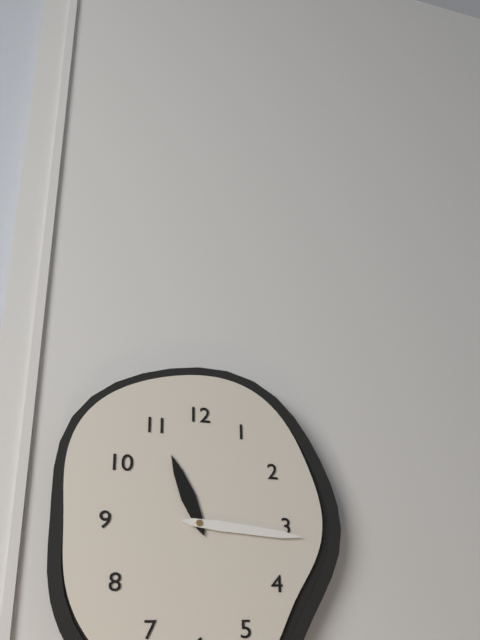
{"hour": 11, "minute": 16}
